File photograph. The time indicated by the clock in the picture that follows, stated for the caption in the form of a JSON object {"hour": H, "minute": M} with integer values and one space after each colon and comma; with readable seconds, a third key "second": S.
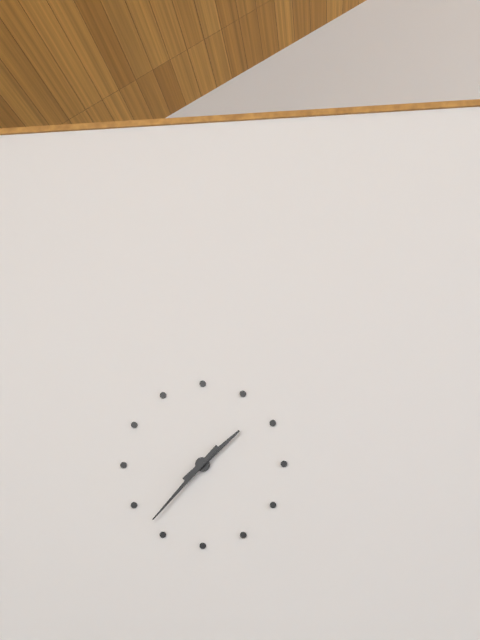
{"hour": 1, "minute": 37}
